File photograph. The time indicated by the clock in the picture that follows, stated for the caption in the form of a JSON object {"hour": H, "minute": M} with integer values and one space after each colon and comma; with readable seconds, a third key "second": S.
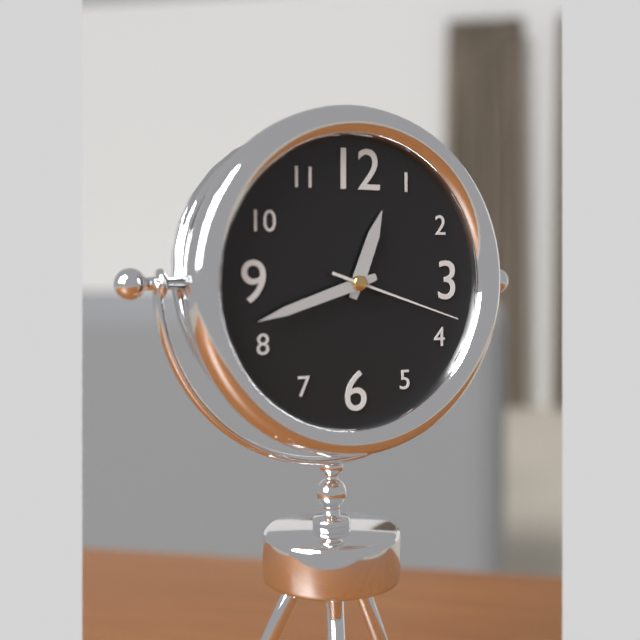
{"hour": 12, "minute": 42, "second": 18}
